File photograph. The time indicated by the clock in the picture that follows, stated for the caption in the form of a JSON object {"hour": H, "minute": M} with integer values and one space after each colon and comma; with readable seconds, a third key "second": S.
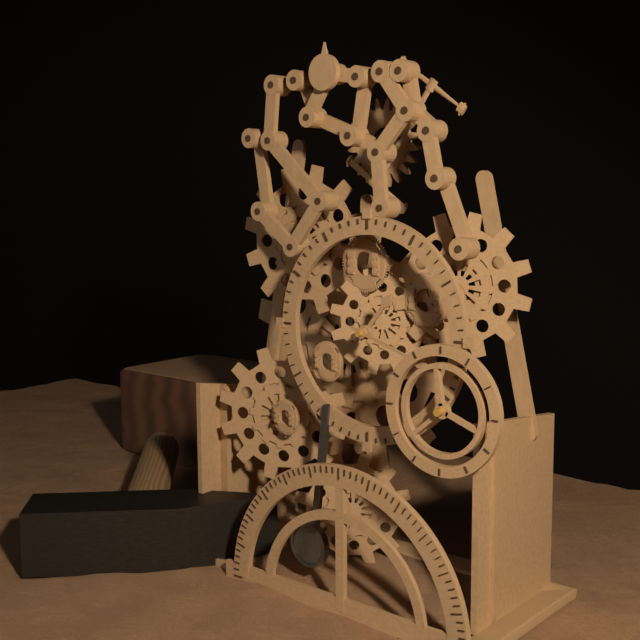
{"hour": 1, "minute": 18}
